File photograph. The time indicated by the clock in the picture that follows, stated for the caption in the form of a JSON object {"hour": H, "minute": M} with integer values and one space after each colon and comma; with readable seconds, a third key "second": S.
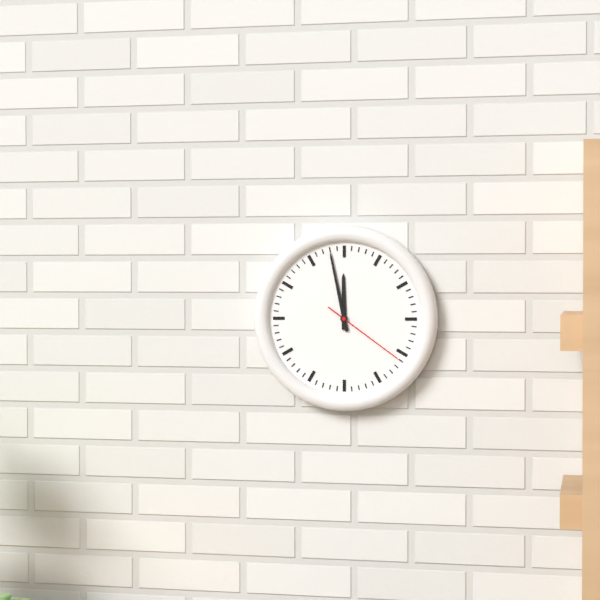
{"hour": 11, "minute": 58, "second": 21}
